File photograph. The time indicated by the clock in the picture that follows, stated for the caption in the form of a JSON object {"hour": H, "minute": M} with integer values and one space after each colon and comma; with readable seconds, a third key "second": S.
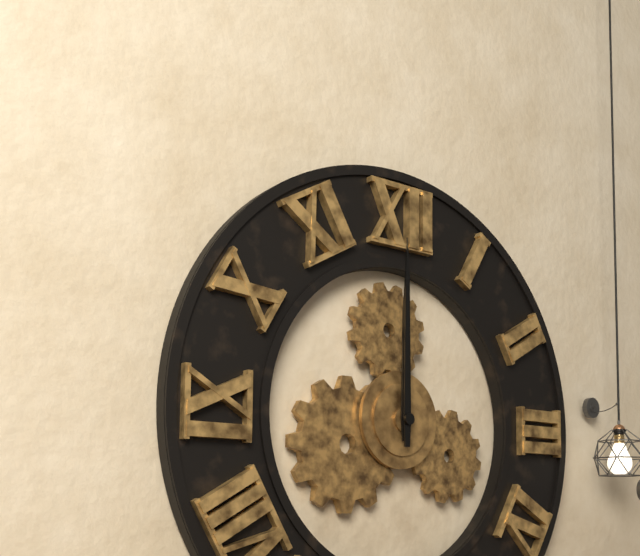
{"hour": 12, "minute": 0}
